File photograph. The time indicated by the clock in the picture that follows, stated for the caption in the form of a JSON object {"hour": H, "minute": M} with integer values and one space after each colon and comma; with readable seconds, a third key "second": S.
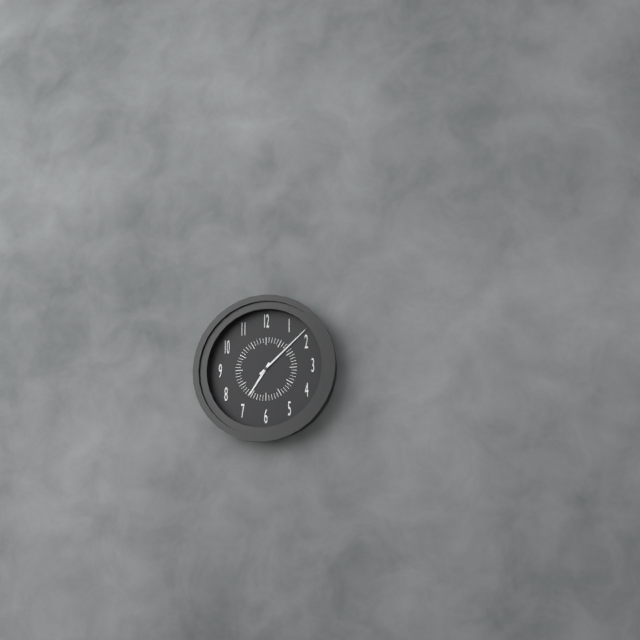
{"hour": 7, "minute": 8}
